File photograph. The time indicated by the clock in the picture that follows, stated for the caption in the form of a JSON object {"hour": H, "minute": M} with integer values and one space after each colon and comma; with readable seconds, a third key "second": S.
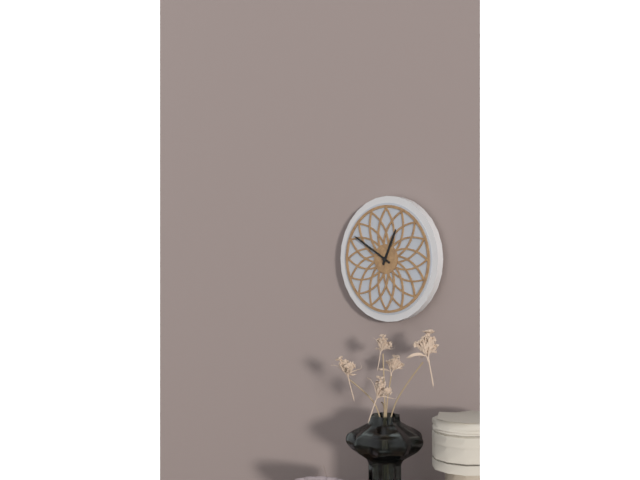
{"hour": 12, "minute": 50}
